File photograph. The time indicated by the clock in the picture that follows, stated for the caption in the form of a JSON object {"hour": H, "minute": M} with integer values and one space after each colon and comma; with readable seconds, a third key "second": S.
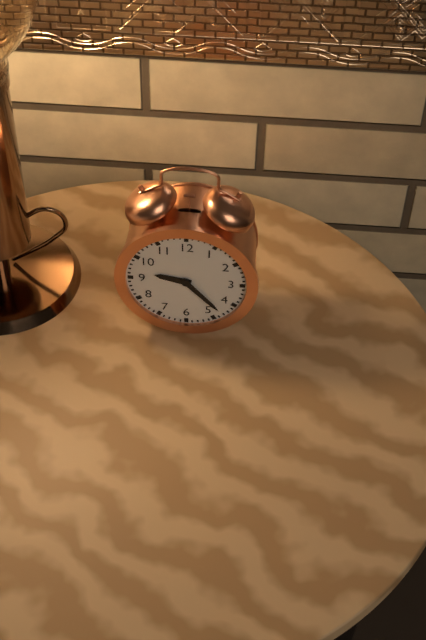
{"hour": 9, "minute": 23}
